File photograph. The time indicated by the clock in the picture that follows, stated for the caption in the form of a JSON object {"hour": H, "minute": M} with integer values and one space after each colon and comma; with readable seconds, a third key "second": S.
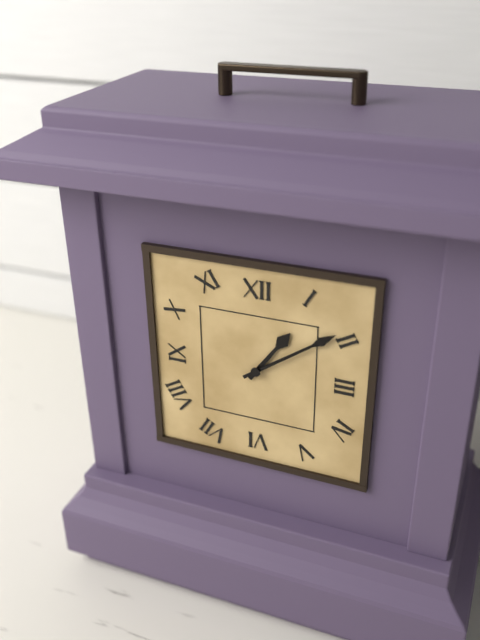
{"hour": 1, "minute": 9}
